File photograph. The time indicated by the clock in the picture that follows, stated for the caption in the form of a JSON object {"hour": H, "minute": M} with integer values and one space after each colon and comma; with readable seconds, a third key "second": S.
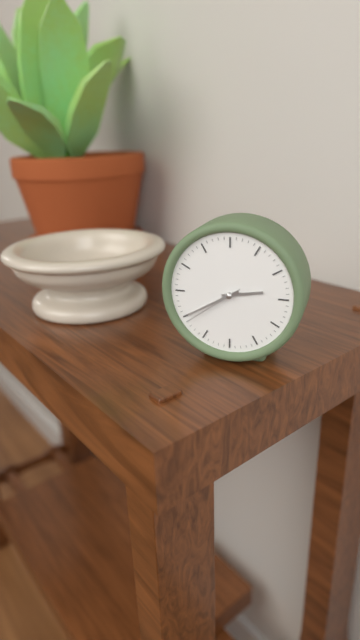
{"hour": 2, "minute": 40, "second": 39}
